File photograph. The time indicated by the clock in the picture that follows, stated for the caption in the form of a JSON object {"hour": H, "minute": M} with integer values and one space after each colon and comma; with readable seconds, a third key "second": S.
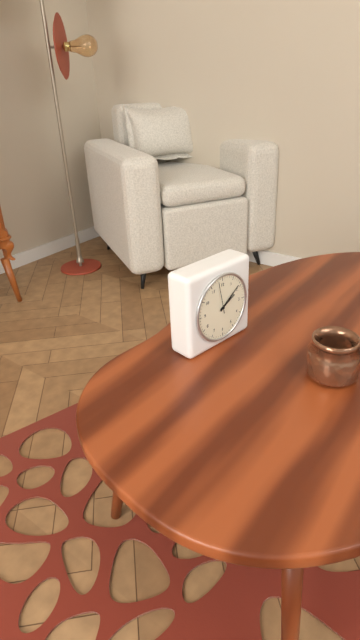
{"hour": 2, "minute": 9}
